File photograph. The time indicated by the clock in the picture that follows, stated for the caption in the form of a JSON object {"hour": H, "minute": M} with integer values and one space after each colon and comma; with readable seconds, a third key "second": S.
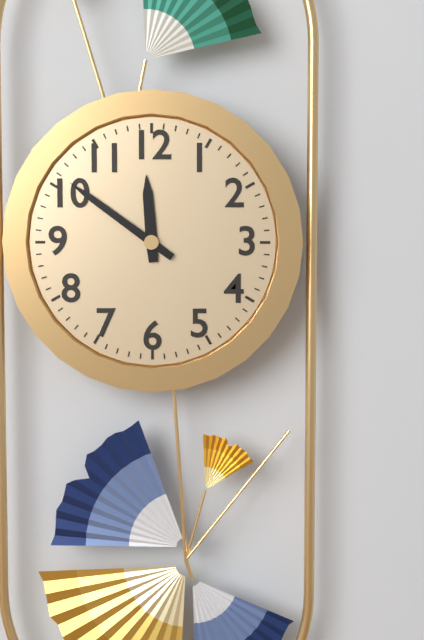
{"hour": 11, "minute": 51}
